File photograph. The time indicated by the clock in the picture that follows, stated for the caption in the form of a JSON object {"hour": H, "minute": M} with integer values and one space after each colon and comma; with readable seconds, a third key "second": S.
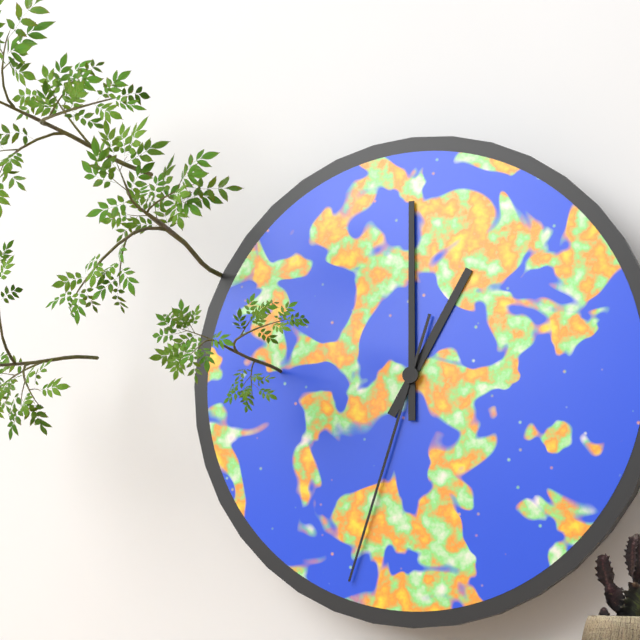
{"hour": 1, "minute": 0, "second": 33}
